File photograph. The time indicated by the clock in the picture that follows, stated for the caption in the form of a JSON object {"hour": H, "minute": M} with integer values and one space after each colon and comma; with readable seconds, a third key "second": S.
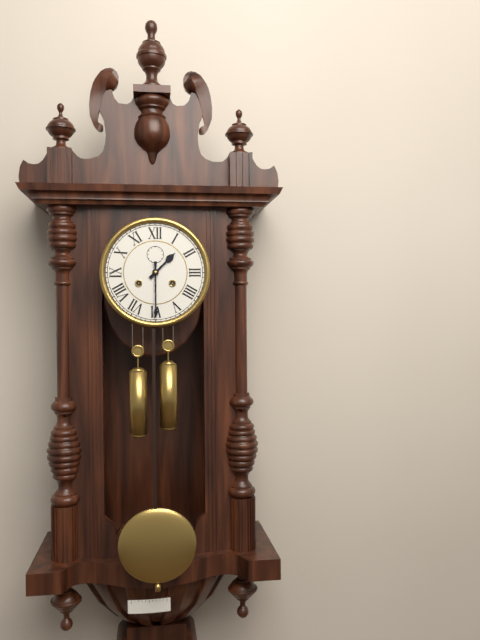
{"hour": 1, "minute": 30}
